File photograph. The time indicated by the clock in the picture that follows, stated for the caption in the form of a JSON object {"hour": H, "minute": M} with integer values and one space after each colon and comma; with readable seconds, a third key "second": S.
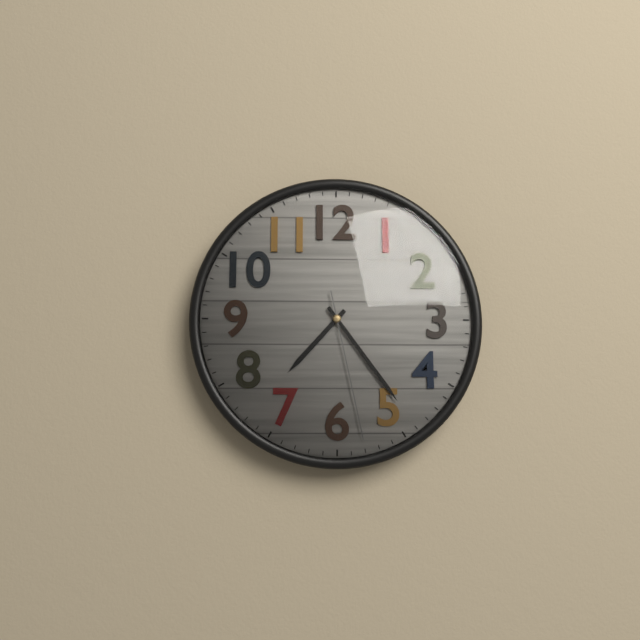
{"hour": 7, "minute": 24, "second": 28}
